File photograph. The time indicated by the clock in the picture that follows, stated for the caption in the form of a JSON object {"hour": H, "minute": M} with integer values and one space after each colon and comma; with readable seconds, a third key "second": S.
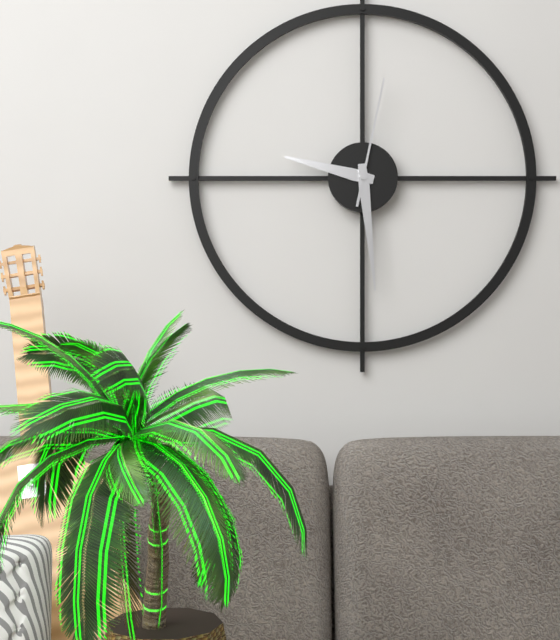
{"hour": 9, "minute": 29, "second": 2}
